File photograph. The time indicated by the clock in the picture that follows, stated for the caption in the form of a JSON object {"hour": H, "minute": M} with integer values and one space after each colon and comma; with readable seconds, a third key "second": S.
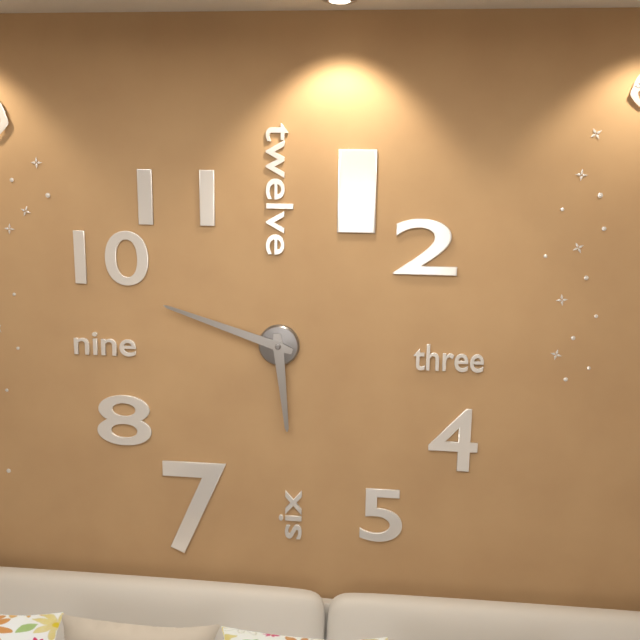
{"hour": 5, "minute": 48}
